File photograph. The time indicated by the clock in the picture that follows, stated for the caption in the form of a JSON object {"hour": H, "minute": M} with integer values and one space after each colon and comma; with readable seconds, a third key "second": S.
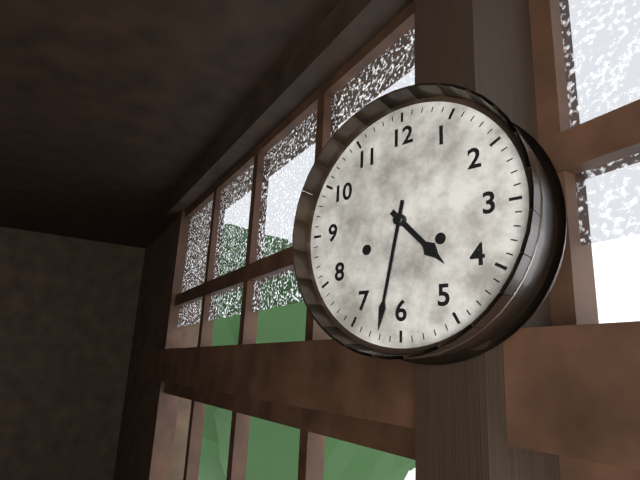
{"hour": 4, "minute": 32}
